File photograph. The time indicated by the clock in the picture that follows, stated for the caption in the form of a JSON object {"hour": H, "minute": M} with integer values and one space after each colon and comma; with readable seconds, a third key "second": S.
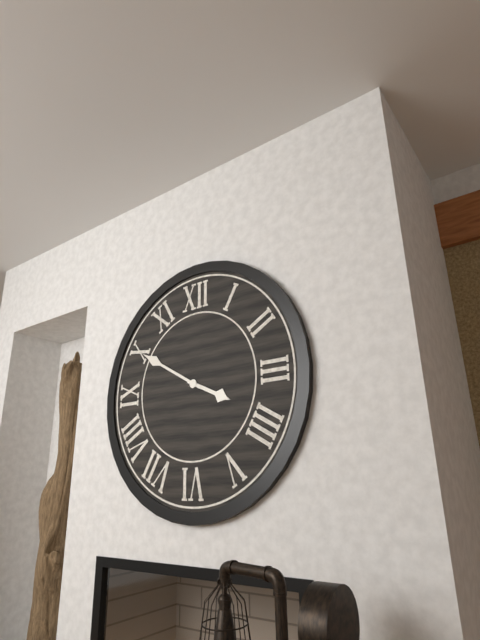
{"hour": 3, "minute": 50}
